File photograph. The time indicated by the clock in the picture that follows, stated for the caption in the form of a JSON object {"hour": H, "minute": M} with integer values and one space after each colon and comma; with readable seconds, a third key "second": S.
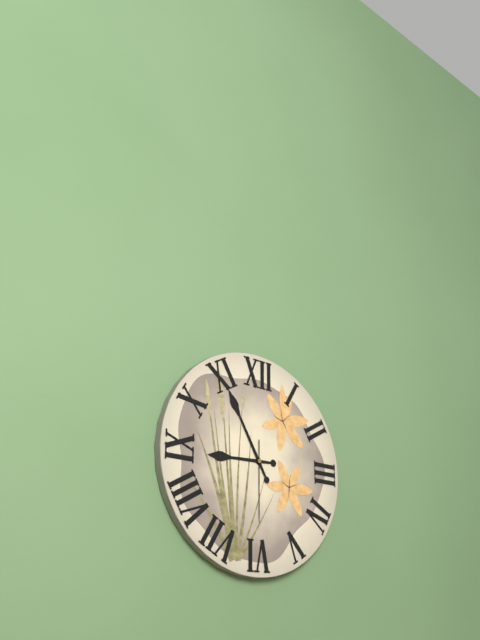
{"hour": 8, "minute": 55, "second": 30}
